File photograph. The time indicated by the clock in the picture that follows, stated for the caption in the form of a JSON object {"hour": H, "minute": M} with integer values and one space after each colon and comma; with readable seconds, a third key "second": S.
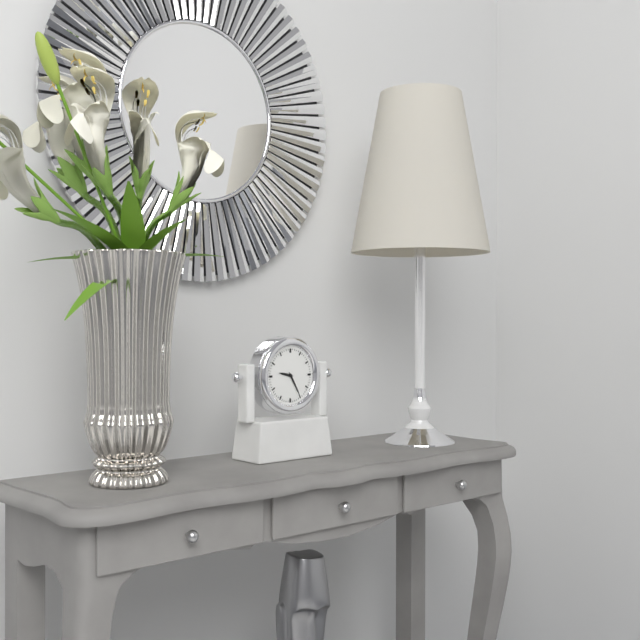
{"hour": 9, "minute": 25}
